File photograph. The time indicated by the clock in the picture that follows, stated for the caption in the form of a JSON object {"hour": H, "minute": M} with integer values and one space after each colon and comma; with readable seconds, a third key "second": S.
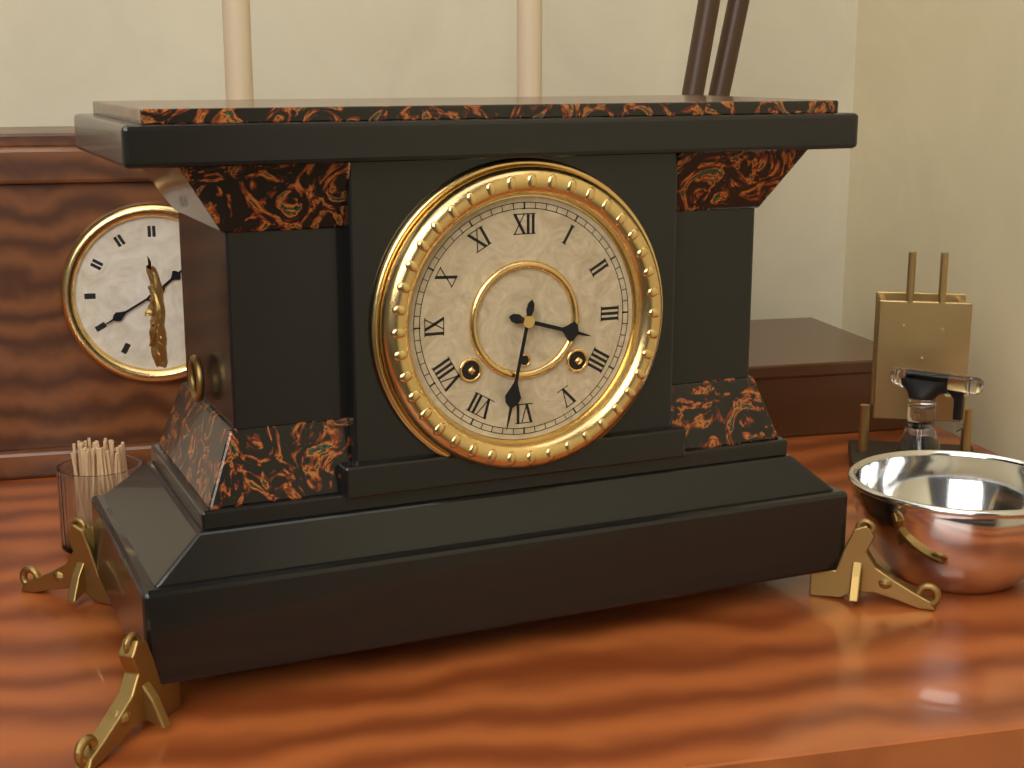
{"hour": 3, "minute": 32}
